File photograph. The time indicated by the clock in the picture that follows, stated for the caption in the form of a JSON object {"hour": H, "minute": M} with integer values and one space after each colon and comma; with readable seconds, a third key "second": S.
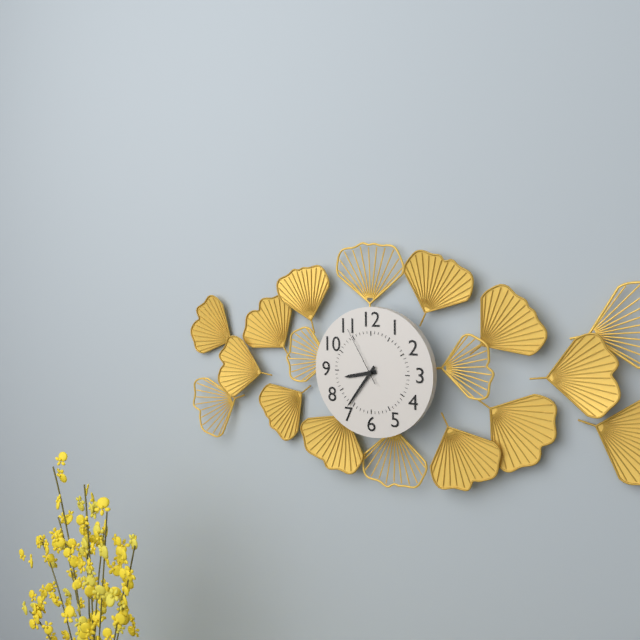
{"hour": 8, "minute": 36, "second": 55}
